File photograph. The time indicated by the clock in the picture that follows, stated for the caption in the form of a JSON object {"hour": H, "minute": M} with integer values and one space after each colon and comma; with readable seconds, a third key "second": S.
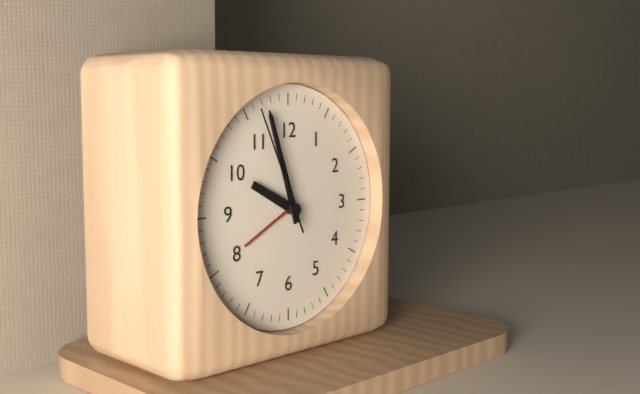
{"hour": 9, "minute": 57, "second": 56}
